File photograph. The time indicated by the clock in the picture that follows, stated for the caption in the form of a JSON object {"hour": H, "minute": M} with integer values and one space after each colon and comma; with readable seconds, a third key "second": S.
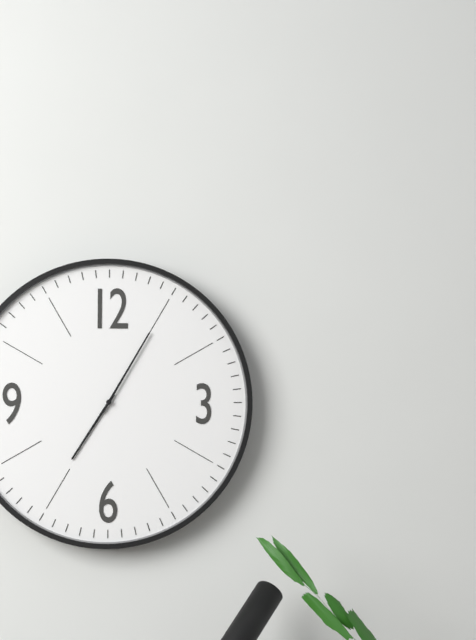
{"hour": 7, "minute": 5}
